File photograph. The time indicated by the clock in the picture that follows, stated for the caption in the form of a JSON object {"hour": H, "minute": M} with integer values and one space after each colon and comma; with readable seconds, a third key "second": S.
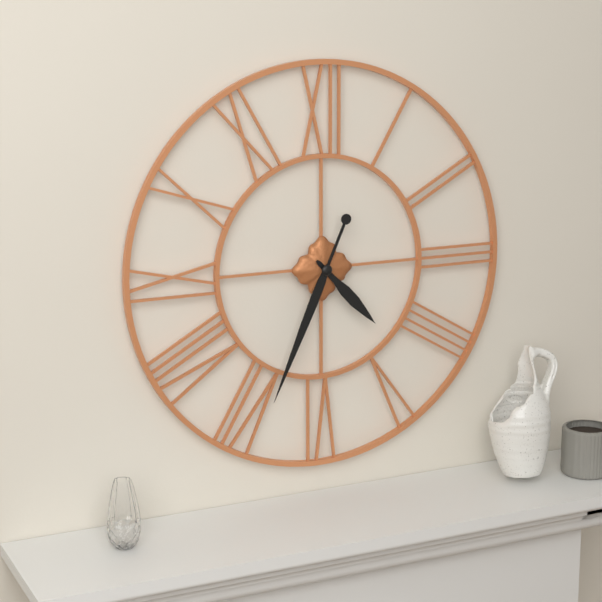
{"hour": 4, "minute": 34}
